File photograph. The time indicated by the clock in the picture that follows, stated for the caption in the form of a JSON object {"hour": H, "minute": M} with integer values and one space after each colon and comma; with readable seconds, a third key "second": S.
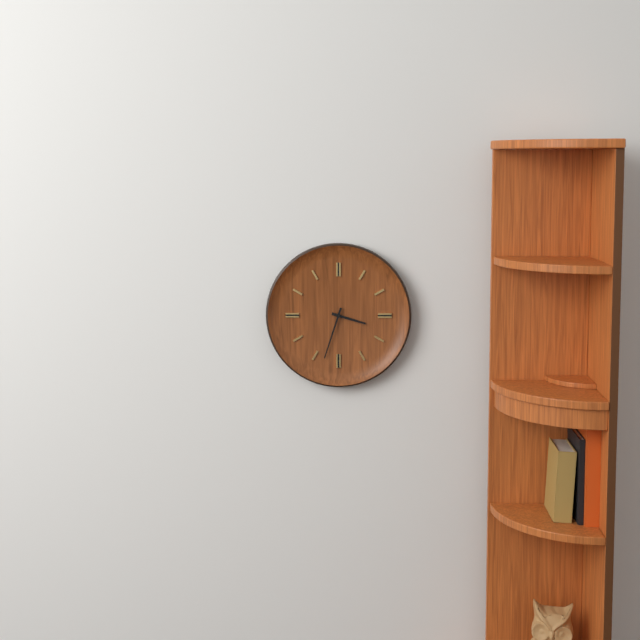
{"hour": 3, "minute": 33}
